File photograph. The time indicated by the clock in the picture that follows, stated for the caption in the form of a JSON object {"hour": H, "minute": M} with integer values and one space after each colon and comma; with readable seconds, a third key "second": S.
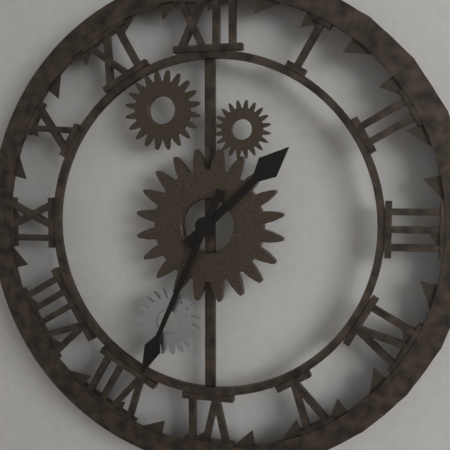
{"hour": 1, "minute": 34}
